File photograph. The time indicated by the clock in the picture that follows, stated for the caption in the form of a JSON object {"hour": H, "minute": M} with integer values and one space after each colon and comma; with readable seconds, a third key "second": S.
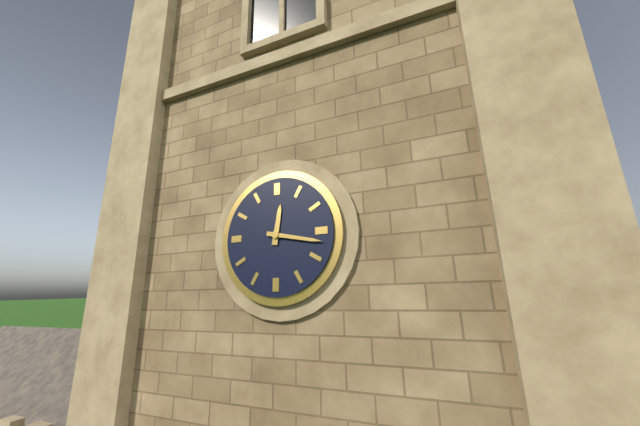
{"hour": 12, "minute": 17}
